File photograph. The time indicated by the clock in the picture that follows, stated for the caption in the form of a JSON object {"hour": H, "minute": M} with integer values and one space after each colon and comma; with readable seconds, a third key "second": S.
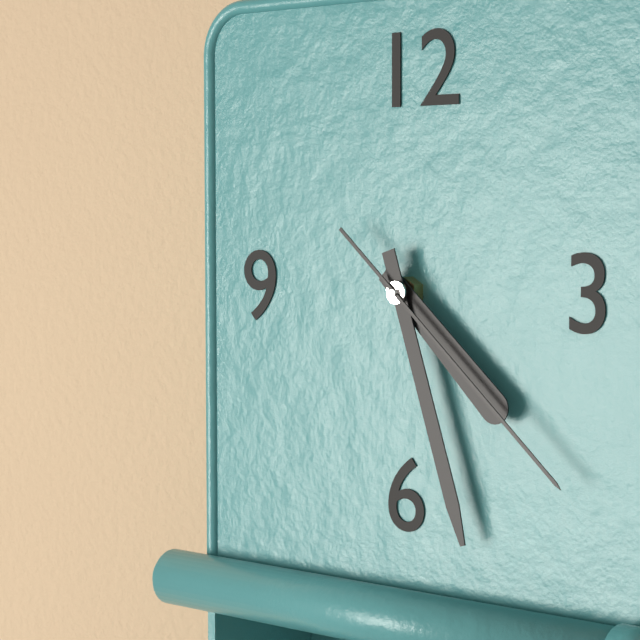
{"hour": 4, "minute": 27, "second": 22}
